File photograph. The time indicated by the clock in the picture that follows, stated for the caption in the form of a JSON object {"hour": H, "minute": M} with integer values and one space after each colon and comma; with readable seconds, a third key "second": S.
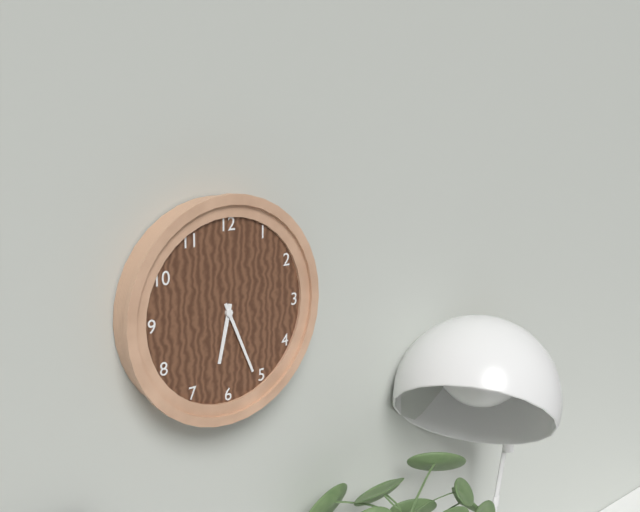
{"hour": 6, "minute": 26}
